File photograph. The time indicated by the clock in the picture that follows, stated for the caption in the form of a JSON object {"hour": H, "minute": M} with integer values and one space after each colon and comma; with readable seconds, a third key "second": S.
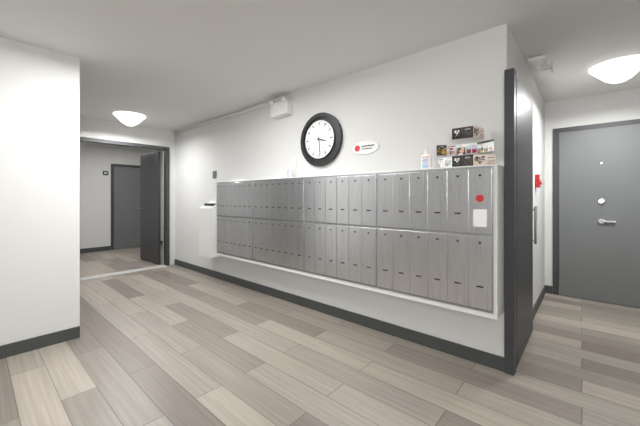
{"hour": 3, "minute": 29}
